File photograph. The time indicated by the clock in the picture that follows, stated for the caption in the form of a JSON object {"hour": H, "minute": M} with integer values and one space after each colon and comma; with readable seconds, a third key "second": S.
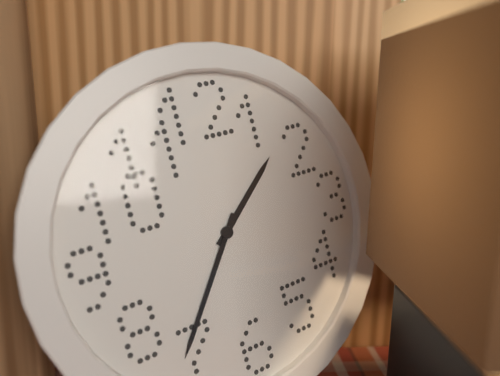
{"hour": 1, "minute": 36}
